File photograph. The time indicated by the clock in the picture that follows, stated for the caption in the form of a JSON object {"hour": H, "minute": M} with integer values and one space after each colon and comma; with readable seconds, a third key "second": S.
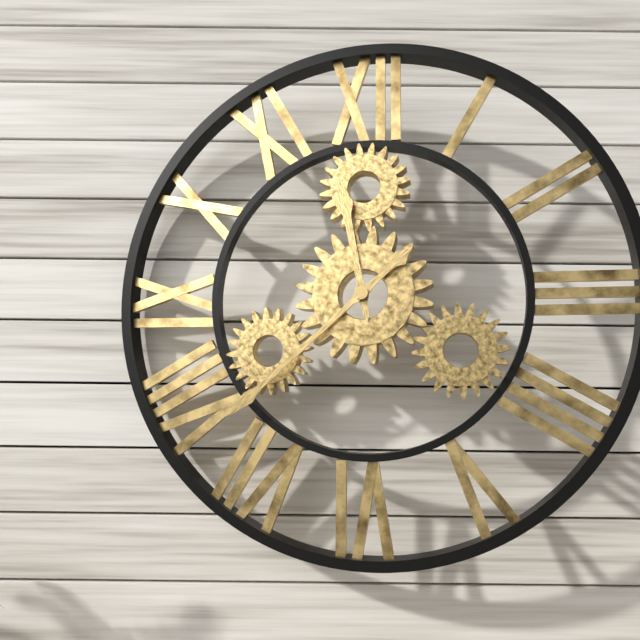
{"hour": 11, "minute": 38}
